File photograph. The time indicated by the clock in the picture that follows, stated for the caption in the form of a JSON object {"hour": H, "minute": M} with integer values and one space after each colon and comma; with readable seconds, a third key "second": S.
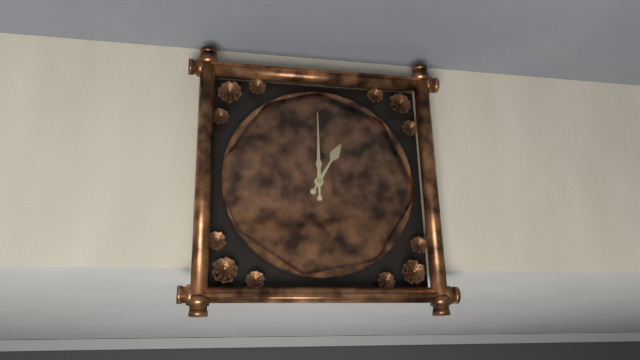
{"hour": 1, "minute": 0}
